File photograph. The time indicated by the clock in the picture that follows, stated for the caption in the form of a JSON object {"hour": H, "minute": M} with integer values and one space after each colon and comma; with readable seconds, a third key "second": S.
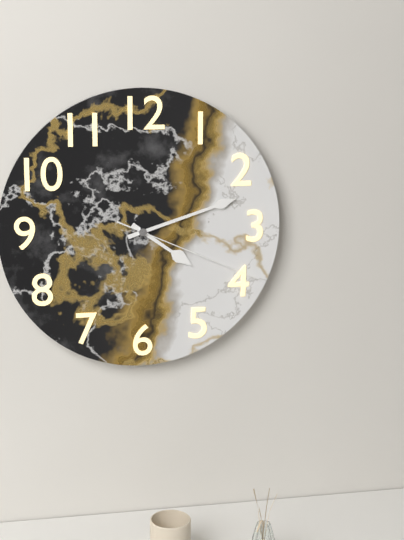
{"hour": 4, "minute": 12, "second": 19}
